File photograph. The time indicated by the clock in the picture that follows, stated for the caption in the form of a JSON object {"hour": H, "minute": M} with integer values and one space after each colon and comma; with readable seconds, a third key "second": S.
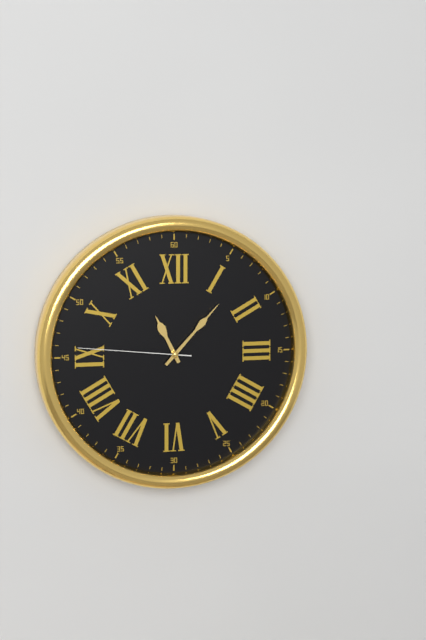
{"hour": 11, "minute": 7, "second": 46}
